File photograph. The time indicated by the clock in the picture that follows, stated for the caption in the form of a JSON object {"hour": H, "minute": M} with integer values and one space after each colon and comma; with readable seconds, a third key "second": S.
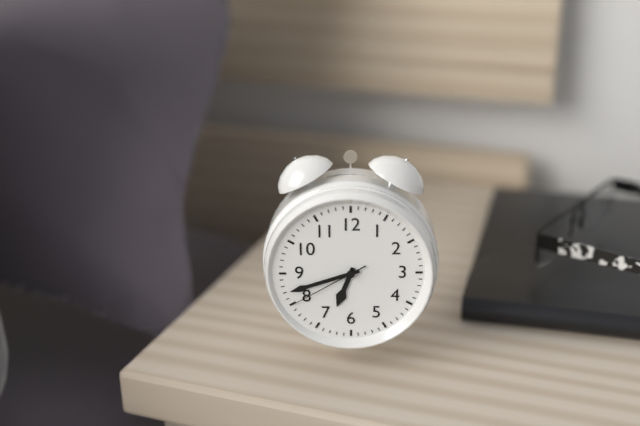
{"hour": 6, "minute": 42, "second": 40}
